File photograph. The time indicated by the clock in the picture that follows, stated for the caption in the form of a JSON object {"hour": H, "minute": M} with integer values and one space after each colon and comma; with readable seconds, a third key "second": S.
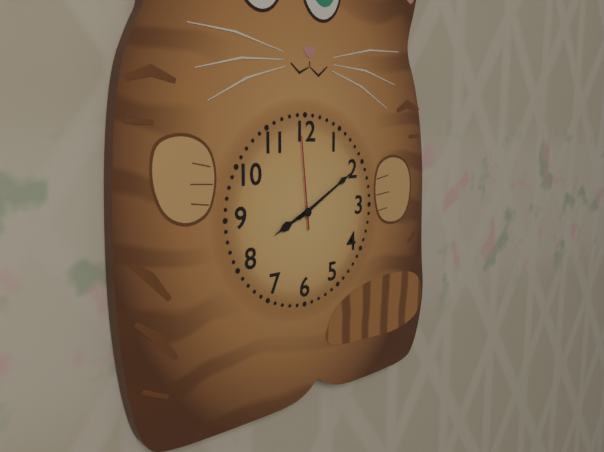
{"hour": 8, "minute": 10, "second": 59}
